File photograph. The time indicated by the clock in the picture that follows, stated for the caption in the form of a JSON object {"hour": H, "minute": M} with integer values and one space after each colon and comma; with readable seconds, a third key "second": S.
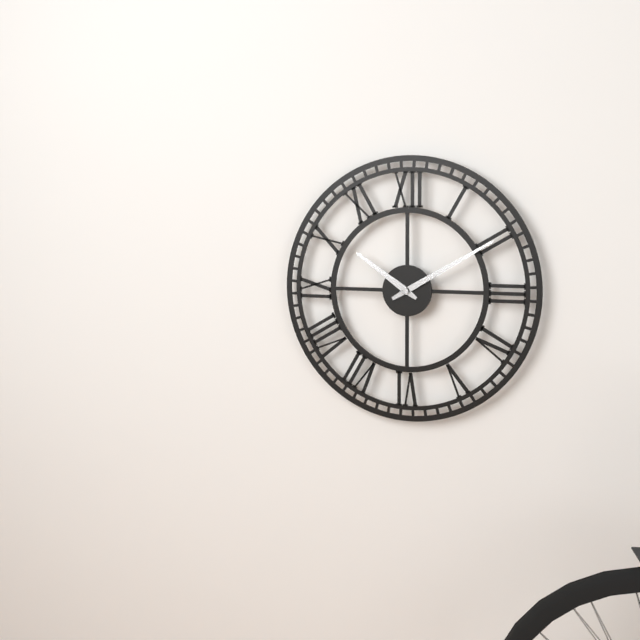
{"hour": 10, "minute": 10}
